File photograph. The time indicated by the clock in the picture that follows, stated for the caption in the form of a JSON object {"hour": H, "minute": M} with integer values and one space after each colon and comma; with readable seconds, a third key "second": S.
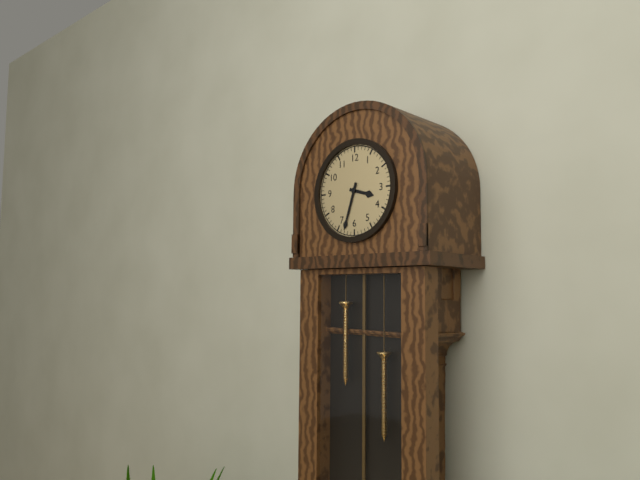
{"hour": 3, "minute": 33}
